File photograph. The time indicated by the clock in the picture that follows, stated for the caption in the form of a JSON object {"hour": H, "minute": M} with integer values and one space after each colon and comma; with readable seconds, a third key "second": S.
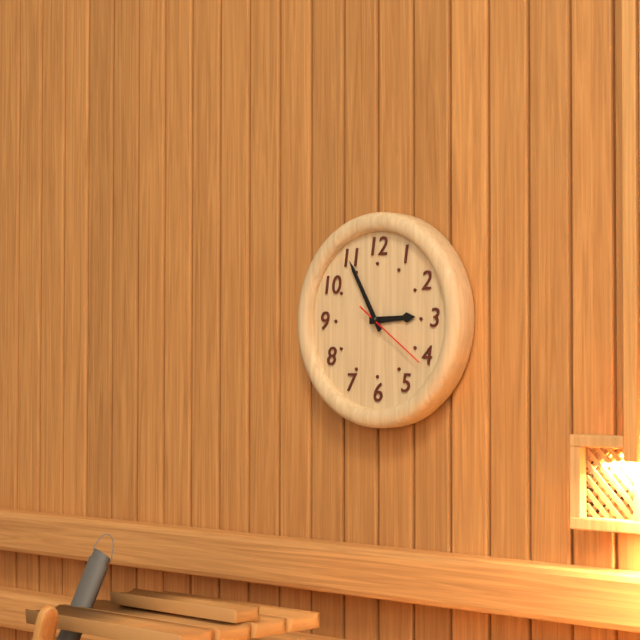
{"hour": 2, "minute": 55, "second": 21}
